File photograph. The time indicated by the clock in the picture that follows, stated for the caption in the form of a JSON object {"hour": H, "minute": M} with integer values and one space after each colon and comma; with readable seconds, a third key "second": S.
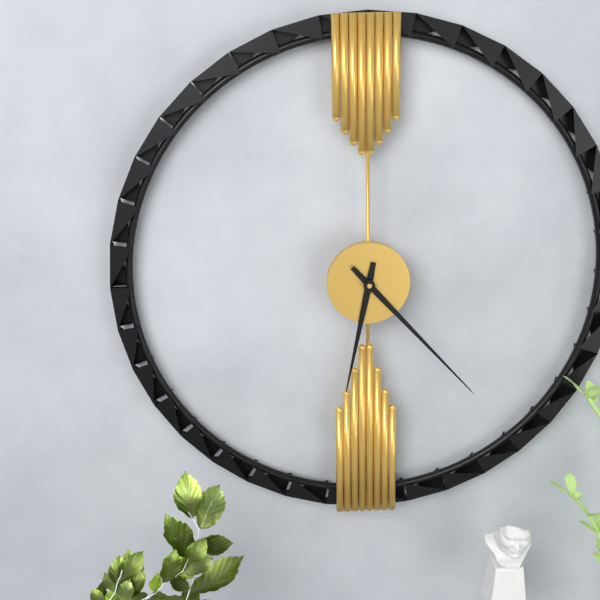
{"hour": 6, "minute": 23}
